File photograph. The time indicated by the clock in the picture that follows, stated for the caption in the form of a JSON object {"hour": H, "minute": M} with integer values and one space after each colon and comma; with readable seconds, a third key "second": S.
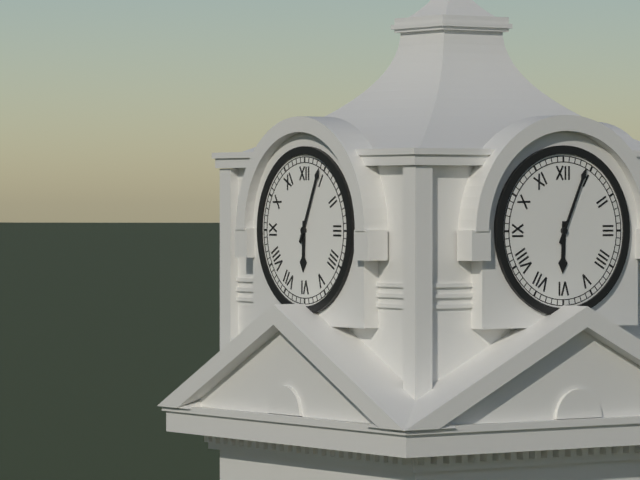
{"hour": 6, "minute": 4}
